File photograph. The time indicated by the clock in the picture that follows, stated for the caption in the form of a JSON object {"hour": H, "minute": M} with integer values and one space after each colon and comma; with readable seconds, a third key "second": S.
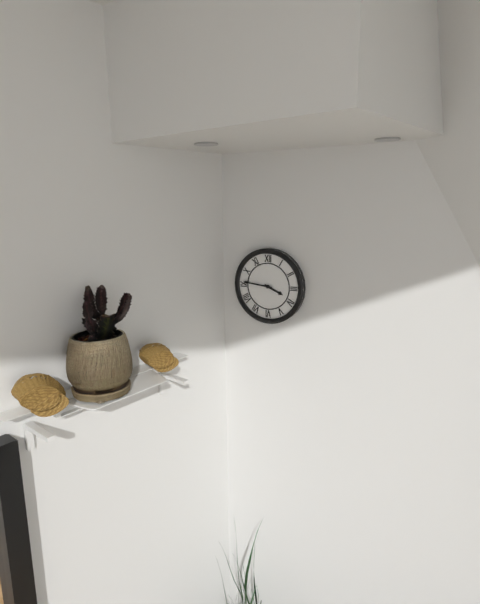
{"hour": 3, "minute": 46}
